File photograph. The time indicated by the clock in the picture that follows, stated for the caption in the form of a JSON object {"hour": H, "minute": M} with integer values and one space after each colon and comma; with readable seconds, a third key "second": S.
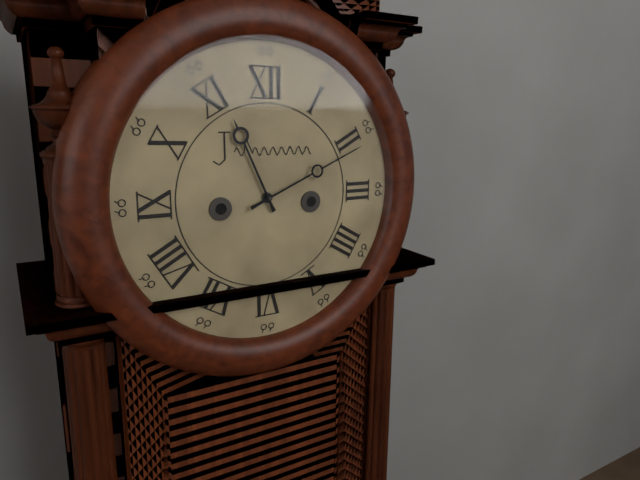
{"hour": 11, "minute": 11}
